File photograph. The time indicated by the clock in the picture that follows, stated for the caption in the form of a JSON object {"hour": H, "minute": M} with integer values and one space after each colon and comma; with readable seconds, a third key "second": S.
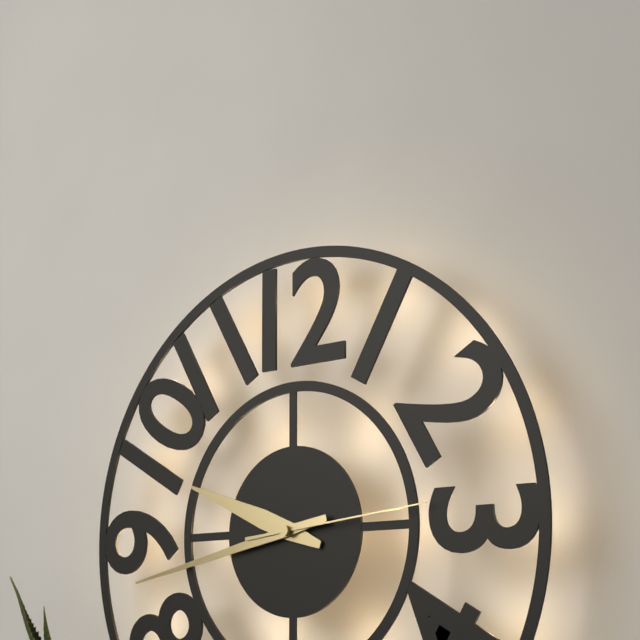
{"hour": 9, "minute": 43, "second": 14}
